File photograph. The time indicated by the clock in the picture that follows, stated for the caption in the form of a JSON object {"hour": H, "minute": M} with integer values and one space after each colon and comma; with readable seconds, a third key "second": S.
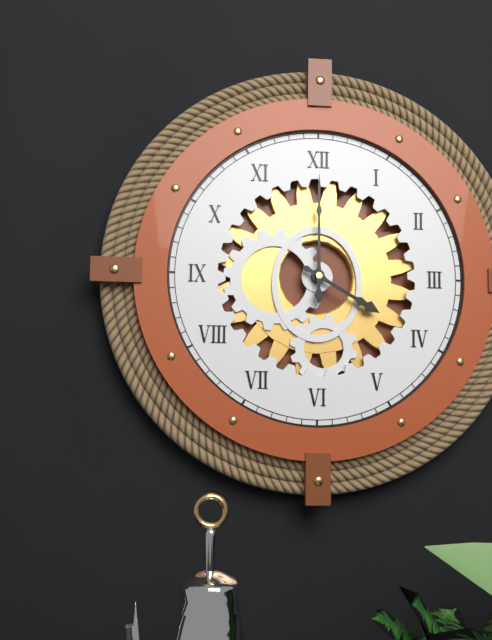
{"hour": 4, "minute": 0}
